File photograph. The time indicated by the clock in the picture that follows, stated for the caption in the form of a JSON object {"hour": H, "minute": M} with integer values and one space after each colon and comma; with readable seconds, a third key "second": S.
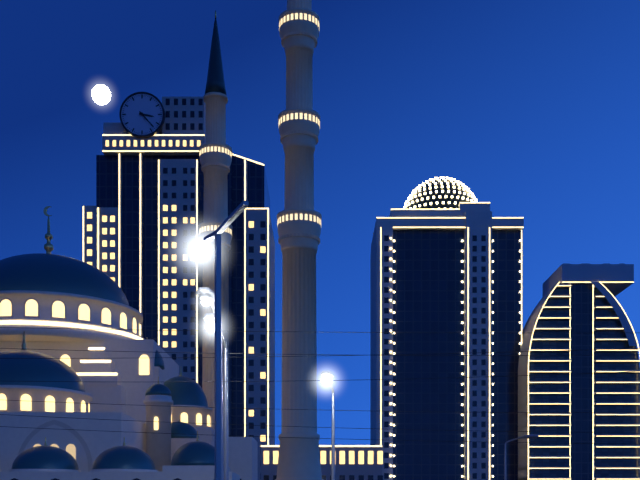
{"hour": 3, "minute": 23}
